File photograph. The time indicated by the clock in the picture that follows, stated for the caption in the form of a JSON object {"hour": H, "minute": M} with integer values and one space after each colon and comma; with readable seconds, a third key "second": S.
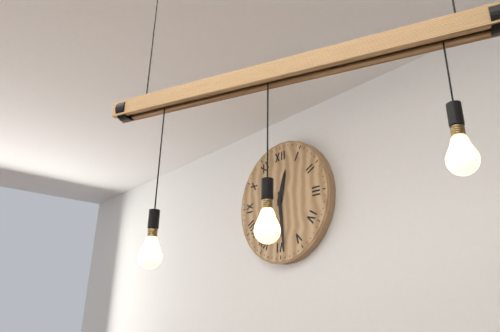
{"hour": 12, "minute": 29}
